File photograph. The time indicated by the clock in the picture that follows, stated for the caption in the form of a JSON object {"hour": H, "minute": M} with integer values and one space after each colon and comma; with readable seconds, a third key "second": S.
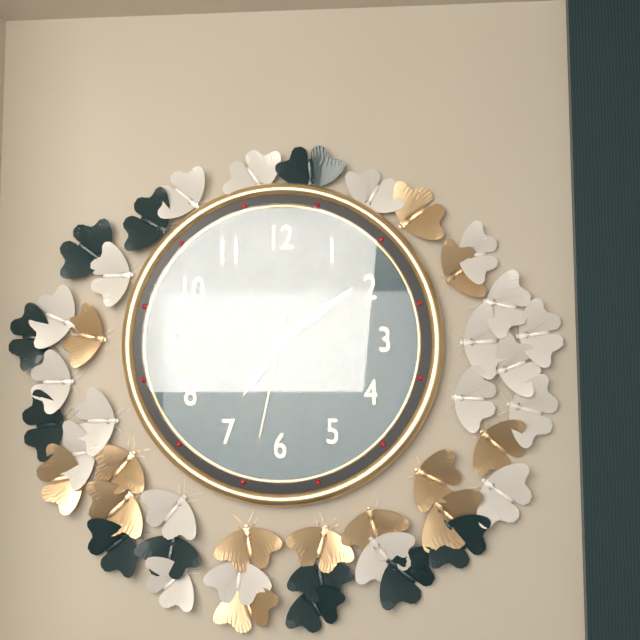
{"hour": 7, "minute": 9, "second": 32}
